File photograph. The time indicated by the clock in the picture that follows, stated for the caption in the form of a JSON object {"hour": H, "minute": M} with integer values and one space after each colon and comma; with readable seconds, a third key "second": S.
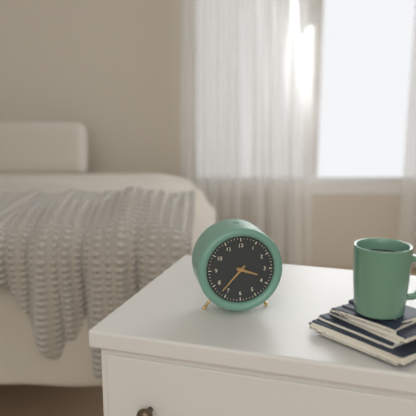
{"hour": 3, "minute": 37}
